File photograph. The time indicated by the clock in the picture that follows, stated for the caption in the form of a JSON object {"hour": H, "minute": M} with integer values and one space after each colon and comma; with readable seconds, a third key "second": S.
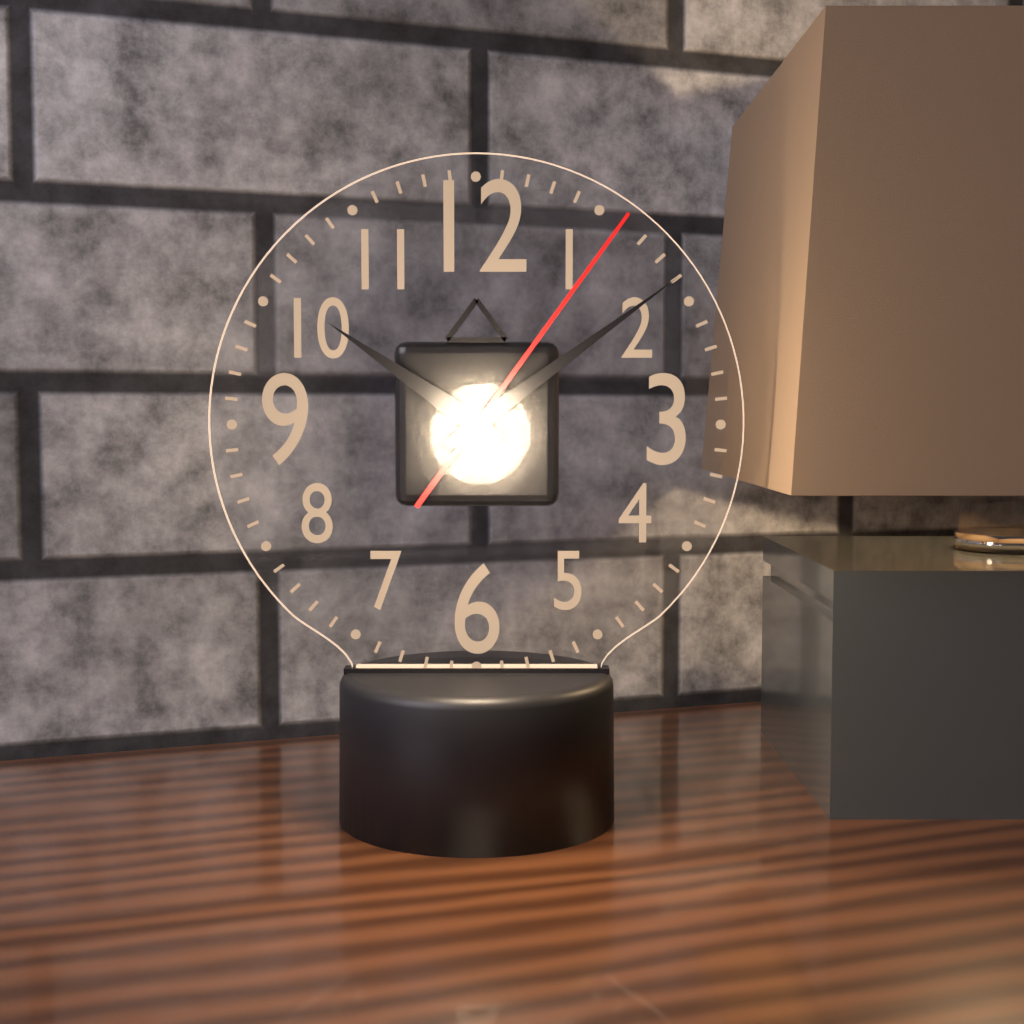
{"hour": 10, "minute": 9, "second": 6}
